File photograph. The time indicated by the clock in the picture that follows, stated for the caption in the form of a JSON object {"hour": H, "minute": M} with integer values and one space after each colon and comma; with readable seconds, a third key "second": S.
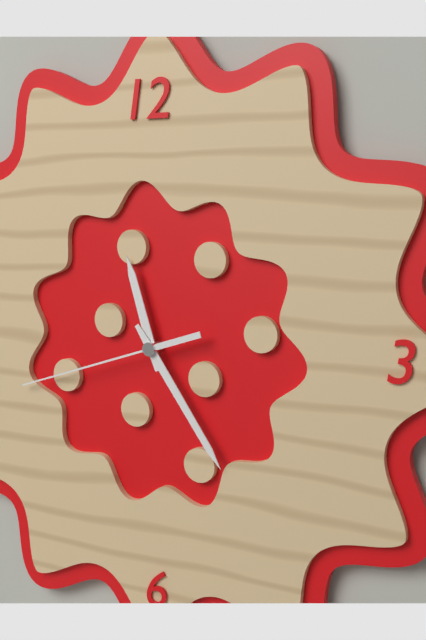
{"hour": 11, "minute": 24, "second": 42}
